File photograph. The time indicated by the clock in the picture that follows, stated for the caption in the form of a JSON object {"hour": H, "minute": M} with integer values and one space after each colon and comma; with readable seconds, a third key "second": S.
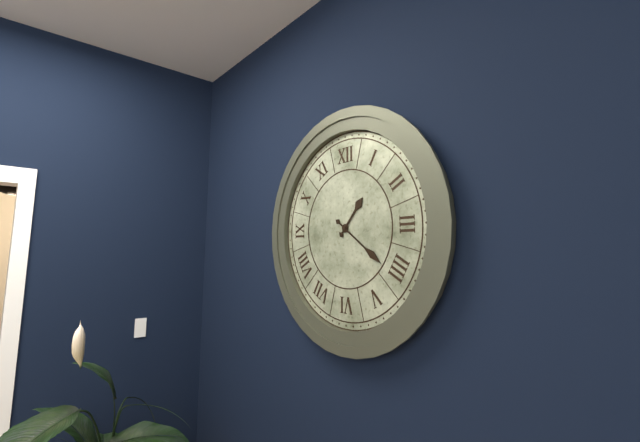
{"hour": 1, "minute": 21}
